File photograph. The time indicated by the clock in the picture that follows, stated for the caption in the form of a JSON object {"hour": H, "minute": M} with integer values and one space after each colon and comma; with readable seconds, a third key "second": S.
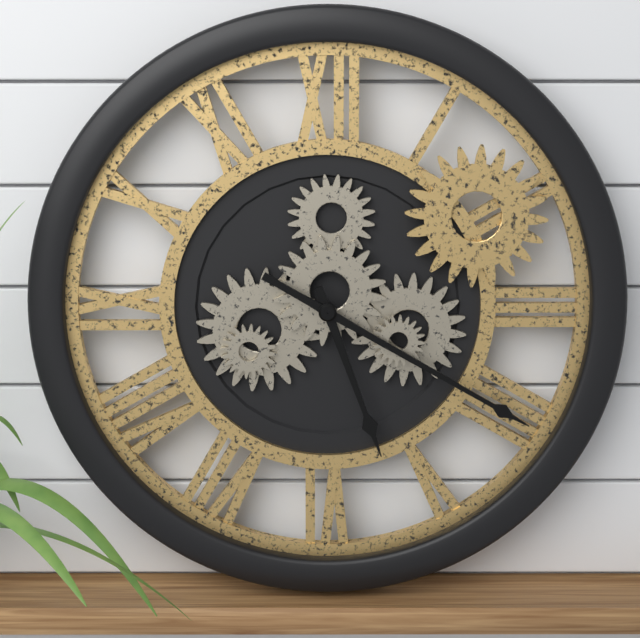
{"hour": 5, "minute": 20}
